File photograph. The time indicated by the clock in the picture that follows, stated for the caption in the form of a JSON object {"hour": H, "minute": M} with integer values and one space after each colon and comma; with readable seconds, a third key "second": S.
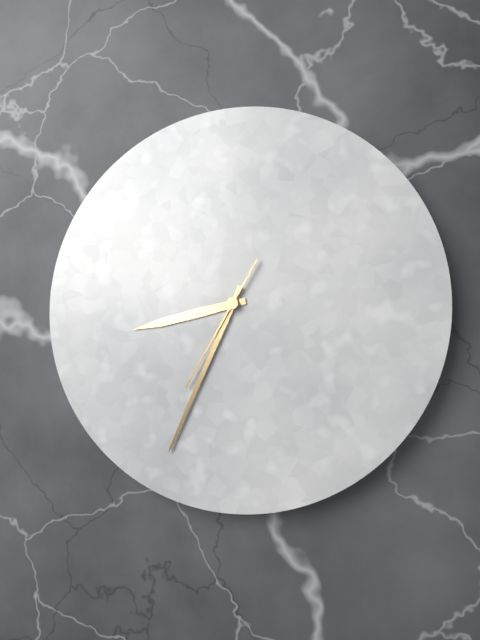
{"hour": 8, "minute": 34, "second": 35}
